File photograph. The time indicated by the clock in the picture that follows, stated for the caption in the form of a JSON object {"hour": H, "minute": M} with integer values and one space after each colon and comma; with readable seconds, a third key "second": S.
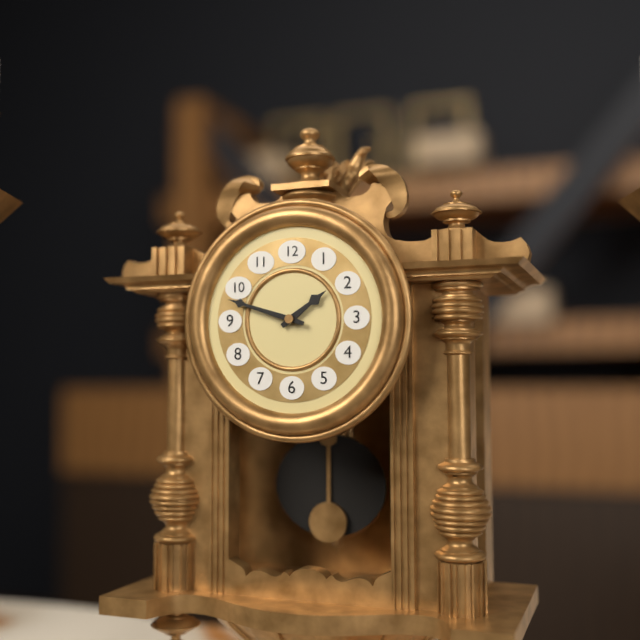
{"hour": 1, "minute": 48}
